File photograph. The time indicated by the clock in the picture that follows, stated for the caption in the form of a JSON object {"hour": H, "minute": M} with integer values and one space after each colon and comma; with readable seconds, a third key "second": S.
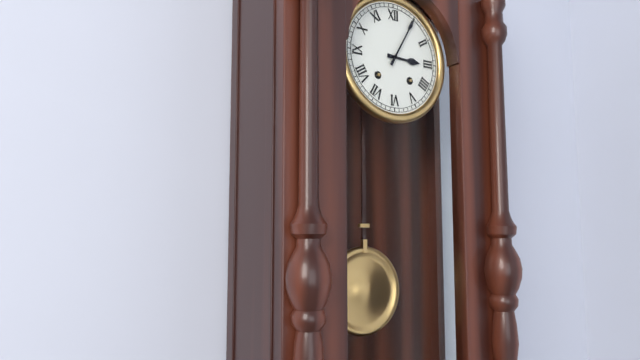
{"hour": 3, "minute": 5}
